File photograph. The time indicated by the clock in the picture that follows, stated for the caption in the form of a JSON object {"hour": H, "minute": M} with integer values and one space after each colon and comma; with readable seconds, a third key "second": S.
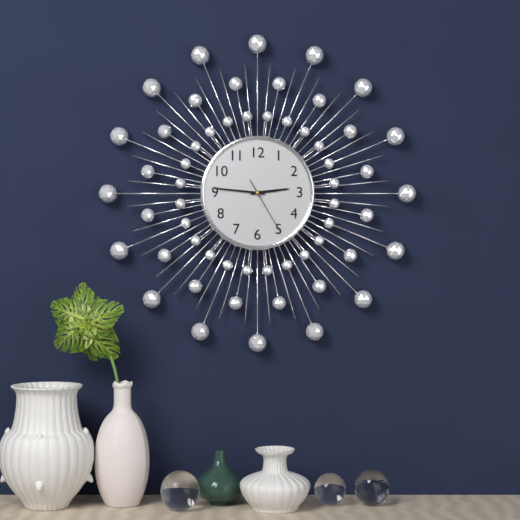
{"hour": 2, "minute": 46, "second": 25}
